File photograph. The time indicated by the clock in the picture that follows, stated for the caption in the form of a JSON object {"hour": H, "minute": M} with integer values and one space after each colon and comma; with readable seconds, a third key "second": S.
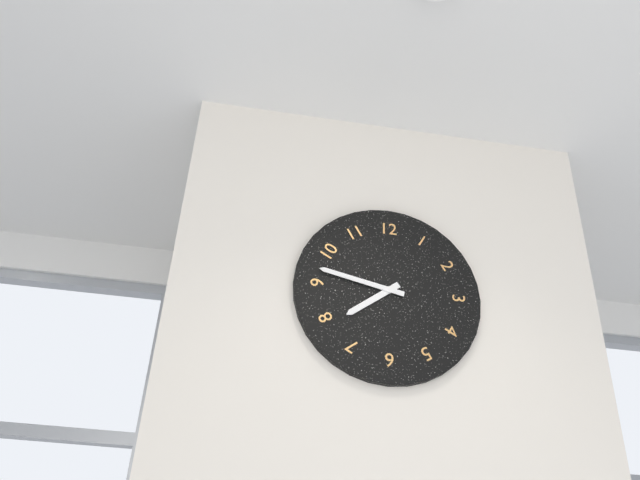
{"hour": 7, "minute": 47}
